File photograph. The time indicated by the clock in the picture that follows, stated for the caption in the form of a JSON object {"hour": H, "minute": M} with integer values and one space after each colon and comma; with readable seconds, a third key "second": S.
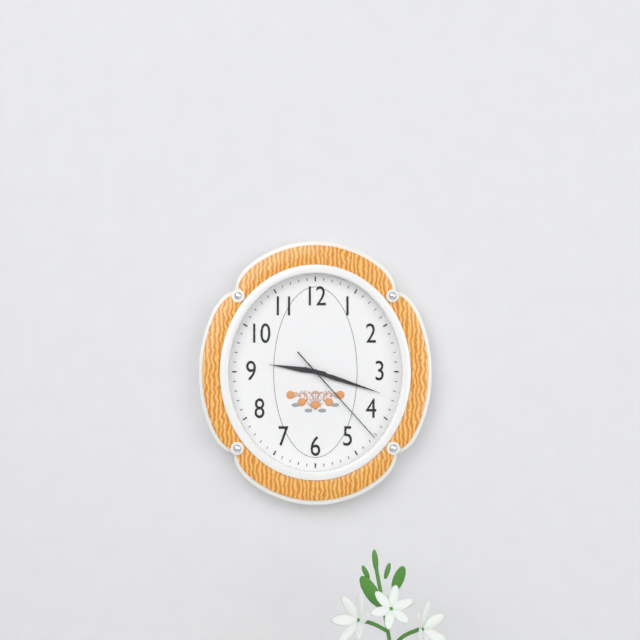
{"hour": 9, "minute": 18, "second": 23}
